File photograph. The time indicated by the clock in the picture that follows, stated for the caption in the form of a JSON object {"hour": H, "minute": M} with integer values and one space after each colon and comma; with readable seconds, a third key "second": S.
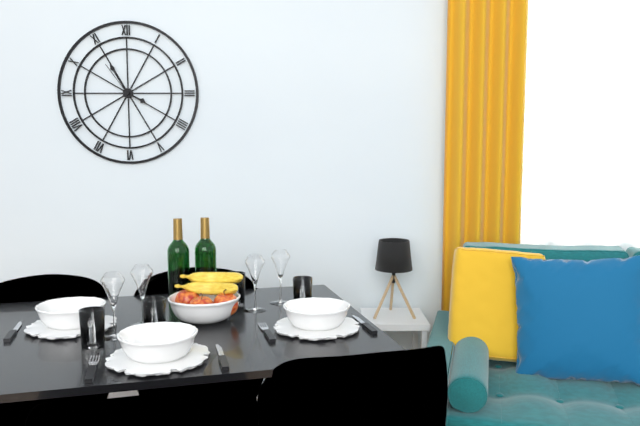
{"hour": 3, "minute": 55}
